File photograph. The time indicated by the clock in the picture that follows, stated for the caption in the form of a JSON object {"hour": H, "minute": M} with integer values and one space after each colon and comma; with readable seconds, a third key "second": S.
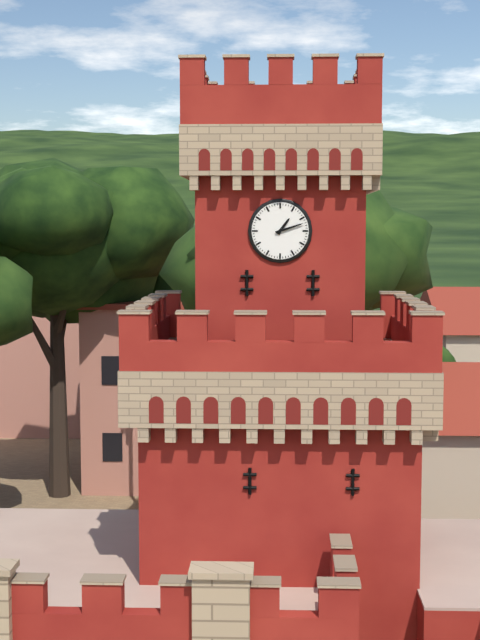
{"hour": 1, "minute": 12}
